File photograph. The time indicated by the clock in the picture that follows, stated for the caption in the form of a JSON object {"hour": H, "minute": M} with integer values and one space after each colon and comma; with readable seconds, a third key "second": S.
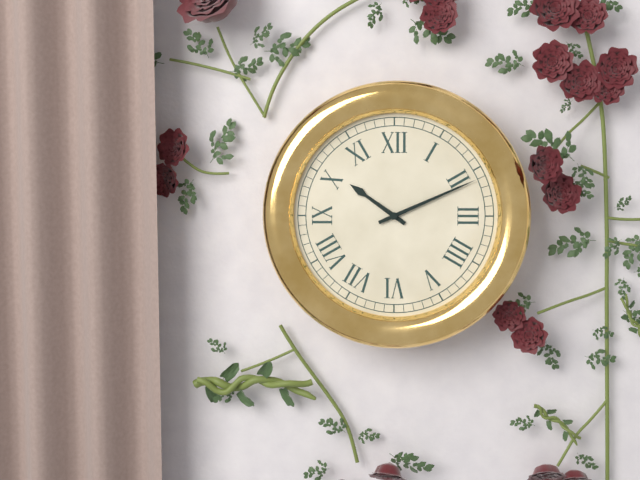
{"hour": 10, "minute": 11}
